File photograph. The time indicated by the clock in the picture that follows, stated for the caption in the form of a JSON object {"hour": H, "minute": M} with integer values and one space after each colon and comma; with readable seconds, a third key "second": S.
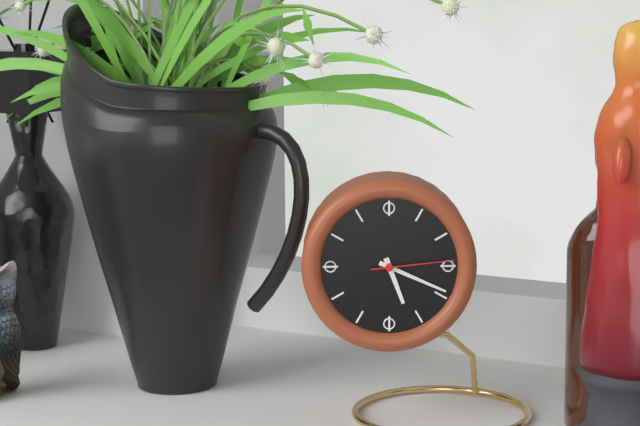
{"hour": 5, "minute": 19, "second": 14}
